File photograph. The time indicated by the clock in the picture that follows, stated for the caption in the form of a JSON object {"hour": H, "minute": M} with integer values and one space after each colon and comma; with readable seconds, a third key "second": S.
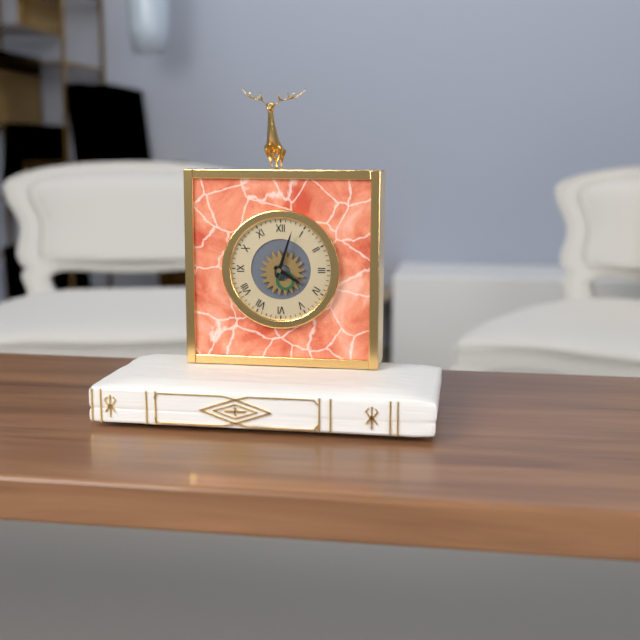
{"hour": 4, "minute": 3}
